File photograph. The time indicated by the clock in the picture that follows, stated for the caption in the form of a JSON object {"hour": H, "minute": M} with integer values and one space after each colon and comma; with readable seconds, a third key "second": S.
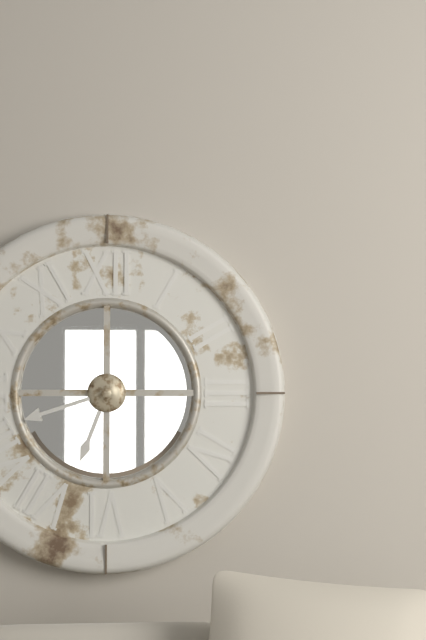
{"hour": 6, "minute": 42}
